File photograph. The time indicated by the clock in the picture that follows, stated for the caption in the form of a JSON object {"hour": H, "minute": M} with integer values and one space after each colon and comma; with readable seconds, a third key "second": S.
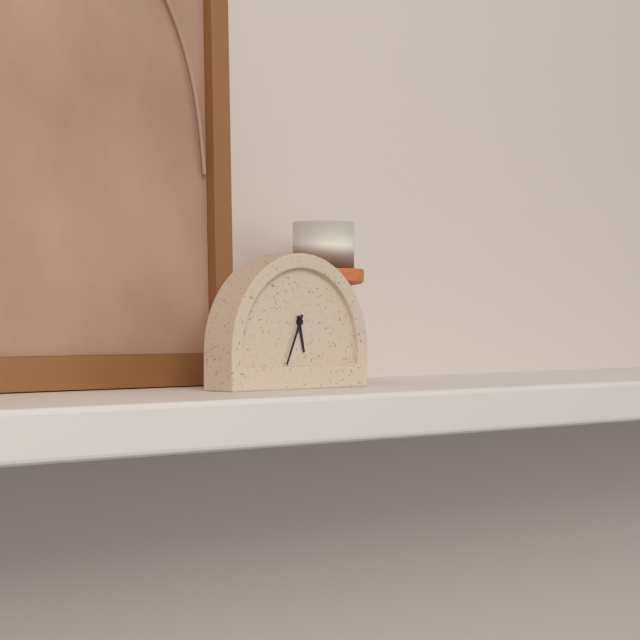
{"hour": 5, "minute": 34}
